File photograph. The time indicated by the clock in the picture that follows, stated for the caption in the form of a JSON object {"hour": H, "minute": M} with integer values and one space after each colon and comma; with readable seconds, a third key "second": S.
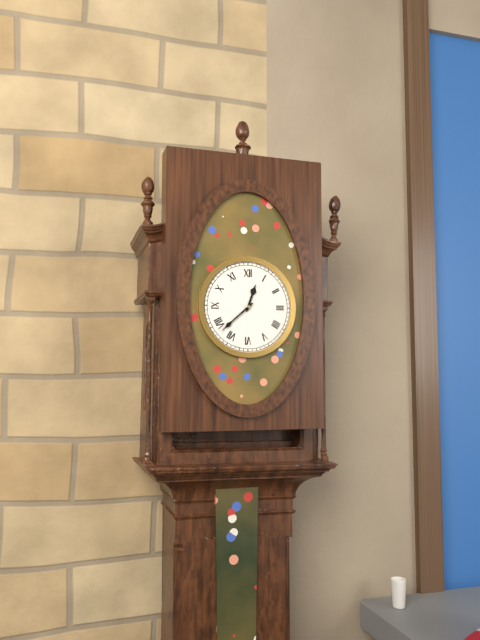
{"hour": 12, "minute": 38}
